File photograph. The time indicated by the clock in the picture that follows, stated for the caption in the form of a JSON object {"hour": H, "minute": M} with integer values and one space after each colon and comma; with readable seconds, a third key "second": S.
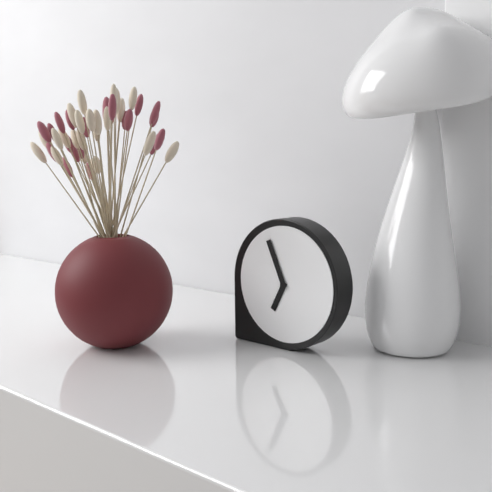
{"hour": 6, "minute": 56}
